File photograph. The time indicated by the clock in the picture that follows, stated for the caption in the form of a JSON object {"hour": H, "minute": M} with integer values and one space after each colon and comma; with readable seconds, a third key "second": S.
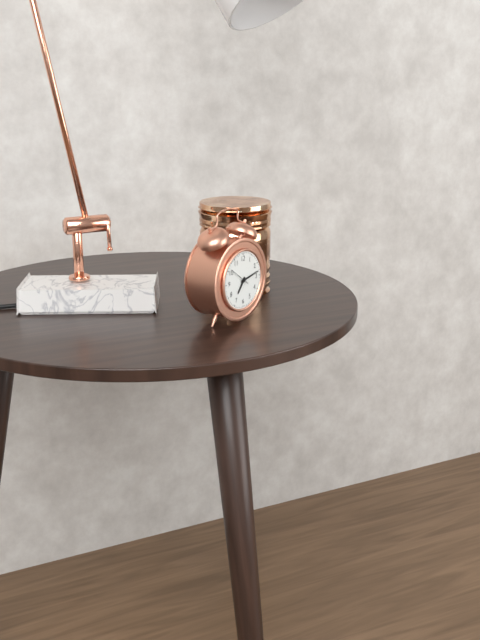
{"hour": 7, "minute": 13}
